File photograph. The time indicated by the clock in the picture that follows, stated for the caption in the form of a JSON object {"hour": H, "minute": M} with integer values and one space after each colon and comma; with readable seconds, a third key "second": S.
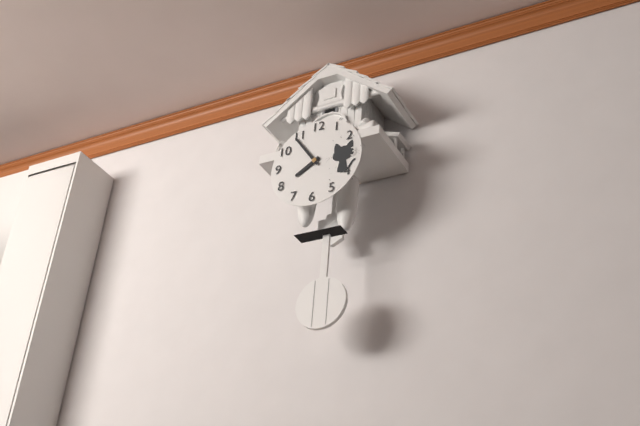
{"hour": 7, "minute": 54}
